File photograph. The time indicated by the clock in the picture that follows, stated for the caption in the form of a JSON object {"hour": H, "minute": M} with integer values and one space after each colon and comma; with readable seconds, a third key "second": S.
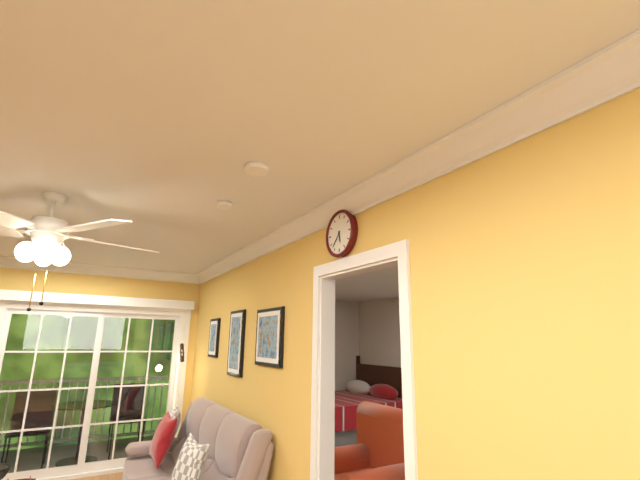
{"hour": 5, "minute": 37}
